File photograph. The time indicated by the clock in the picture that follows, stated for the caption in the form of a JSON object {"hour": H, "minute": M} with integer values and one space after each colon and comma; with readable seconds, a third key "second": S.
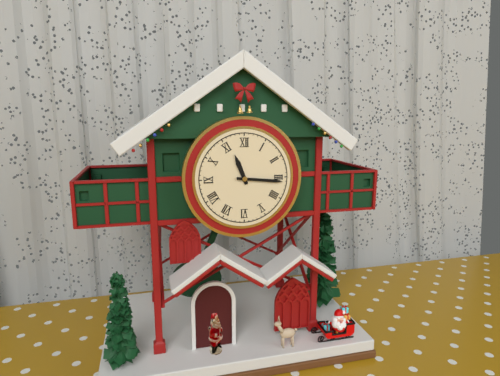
{"hour": 11, "minute": 16}
